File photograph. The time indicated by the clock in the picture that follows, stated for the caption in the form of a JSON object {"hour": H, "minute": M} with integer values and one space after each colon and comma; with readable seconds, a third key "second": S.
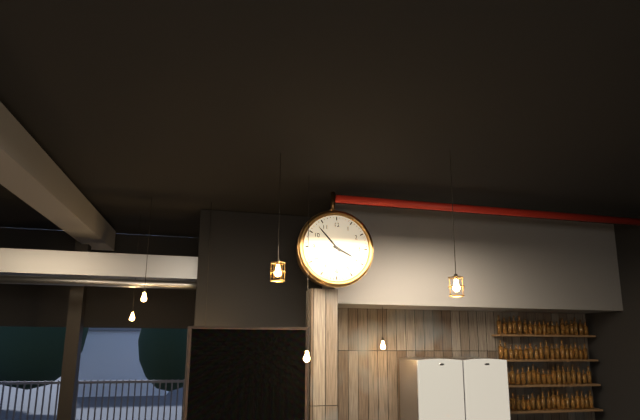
{"hour": 3, "minute": 53}
